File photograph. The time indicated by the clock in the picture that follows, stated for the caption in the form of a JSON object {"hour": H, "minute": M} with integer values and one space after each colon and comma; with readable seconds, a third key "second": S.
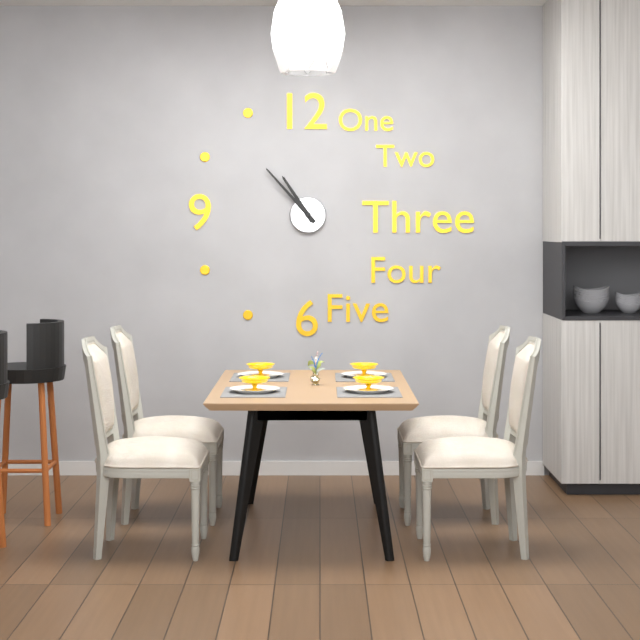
{"hour": 10, "minute": 53}
